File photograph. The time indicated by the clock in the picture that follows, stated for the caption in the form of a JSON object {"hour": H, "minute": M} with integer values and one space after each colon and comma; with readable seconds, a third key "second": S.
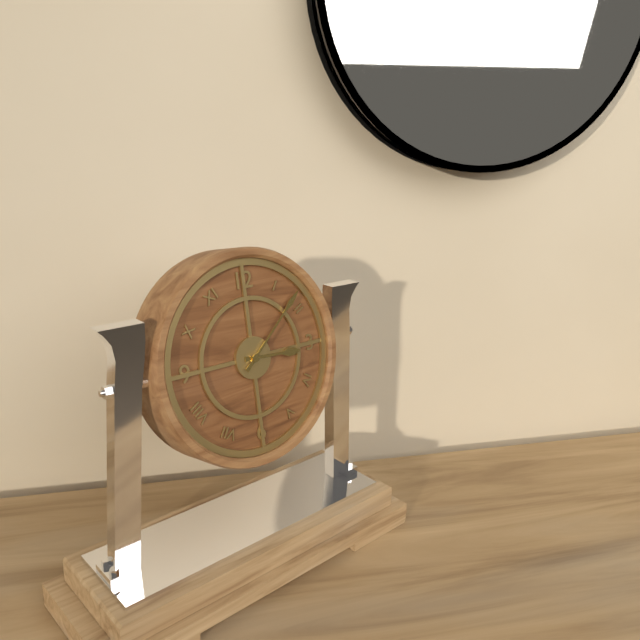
{"hour": 3, "minute": 8}
